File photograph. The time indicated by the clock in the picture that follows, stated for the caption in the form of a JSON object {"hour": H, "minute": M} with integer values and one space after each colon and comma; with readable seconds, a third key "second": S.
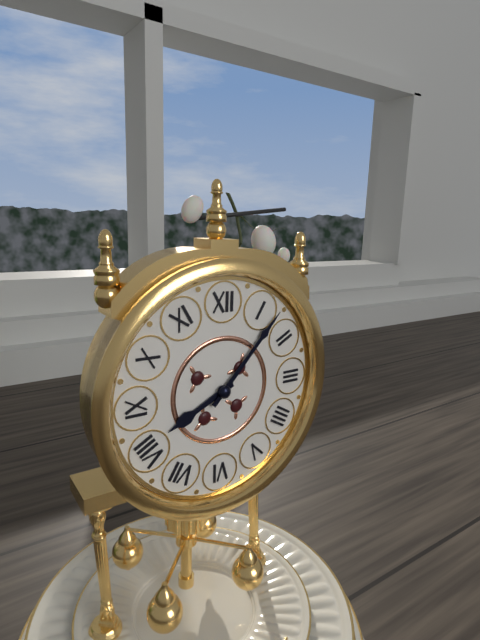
{"hour": 8, "minute": 7}
